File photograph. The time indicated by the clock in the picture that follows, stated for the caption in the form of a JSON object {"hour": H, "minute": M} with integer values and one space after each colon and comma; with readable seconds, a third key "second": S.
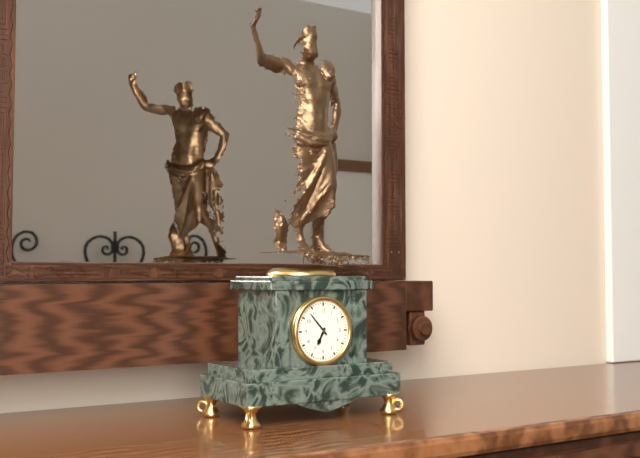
{"hour": 6, "minute": 53}
